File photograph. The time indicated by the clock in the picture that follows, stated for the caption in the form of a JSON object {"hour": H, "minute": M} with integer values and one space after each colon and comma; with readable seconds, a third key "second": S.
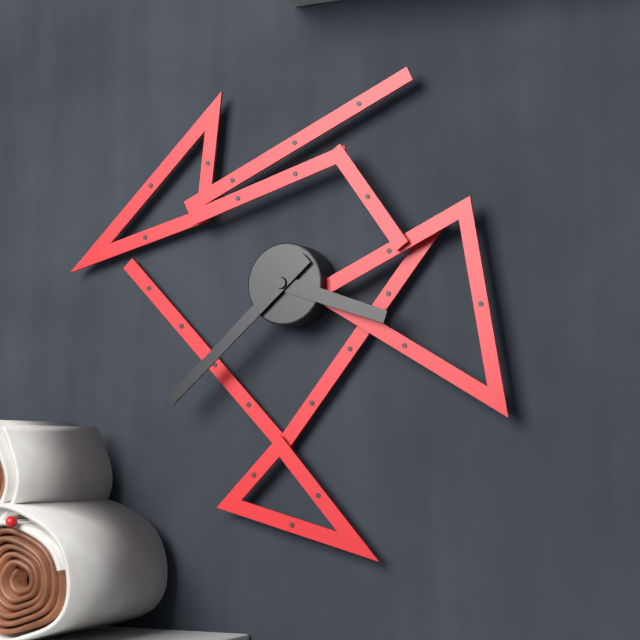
{"hour": 3, "minute": 38}
